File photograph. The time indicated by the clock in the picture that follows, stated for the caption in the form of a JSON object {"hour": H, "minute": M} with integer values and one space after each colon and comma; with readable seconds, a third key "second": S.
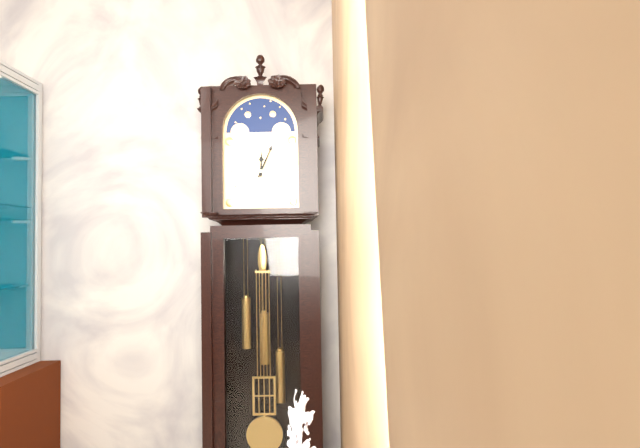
{"hour": 12, "minute": 4}
